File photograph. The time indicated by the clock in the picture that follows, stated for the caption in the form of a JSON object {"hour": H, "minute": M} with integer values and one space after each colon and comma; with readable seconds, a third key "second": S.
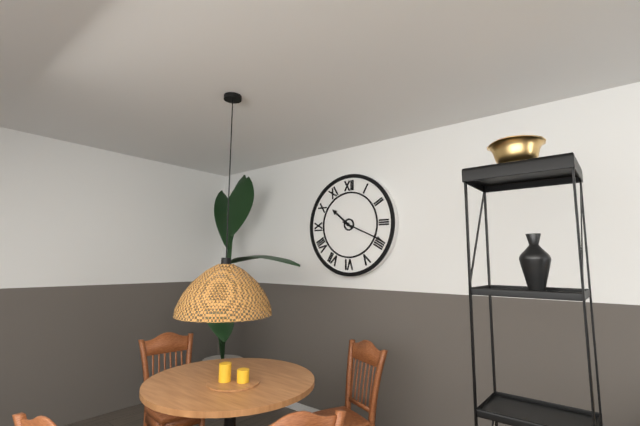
{"hour": 10, "minute": 19}
